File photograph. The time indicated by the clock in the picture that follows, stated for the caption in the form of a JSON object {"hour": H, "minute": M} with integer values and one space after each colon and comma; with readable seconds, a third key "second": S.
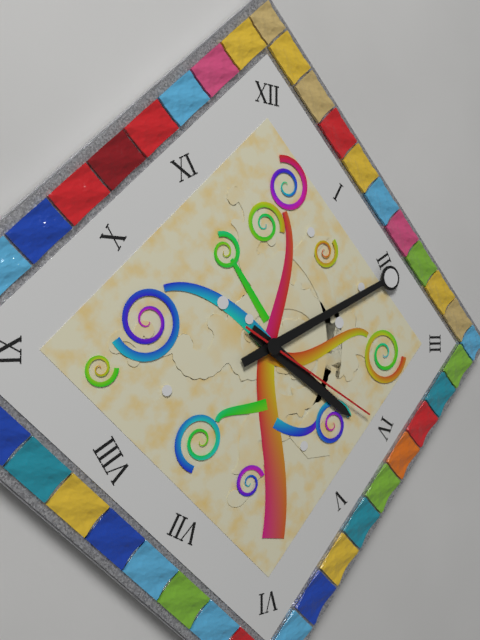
{"hour": 4, "minute": 11, "second": 20}
